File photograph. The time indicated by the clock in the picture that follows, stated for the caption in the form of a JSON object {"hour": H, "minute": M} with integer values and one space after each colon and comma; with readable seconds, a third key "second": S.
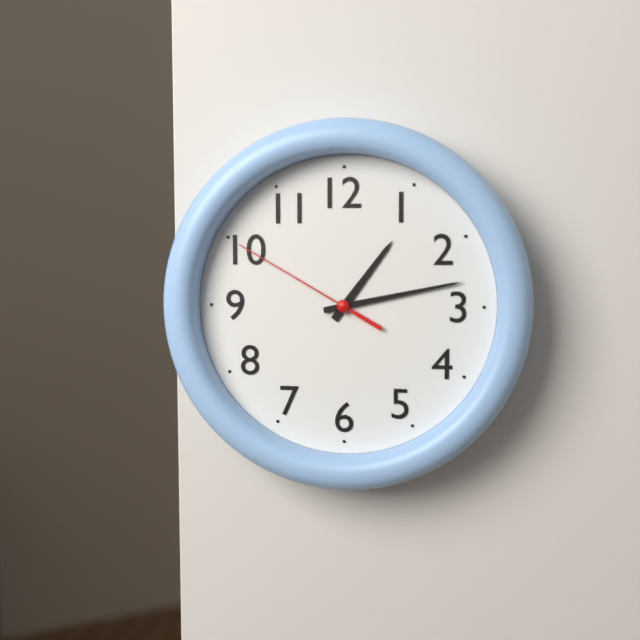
{"hour": 1, "minute": 13, "second": 50}
